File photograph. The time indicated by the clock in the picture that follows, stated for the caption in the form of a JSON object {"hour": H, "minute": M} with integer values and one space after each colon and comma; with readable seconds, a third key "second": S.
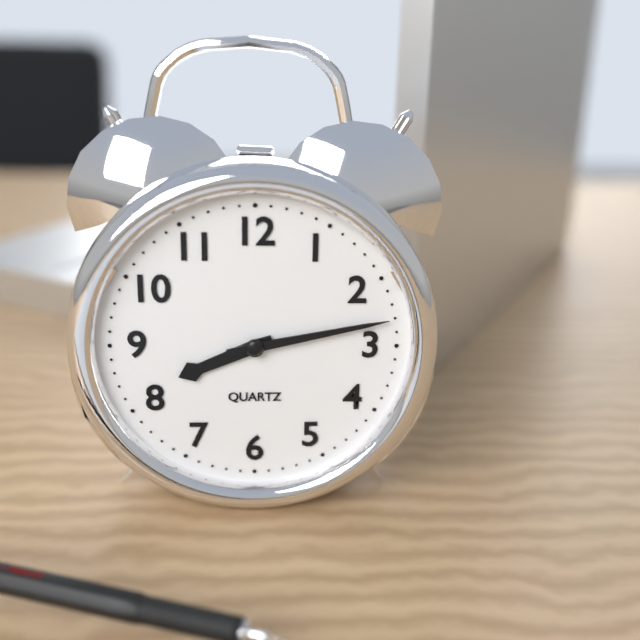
{"hour": 8, "minute": 13}
